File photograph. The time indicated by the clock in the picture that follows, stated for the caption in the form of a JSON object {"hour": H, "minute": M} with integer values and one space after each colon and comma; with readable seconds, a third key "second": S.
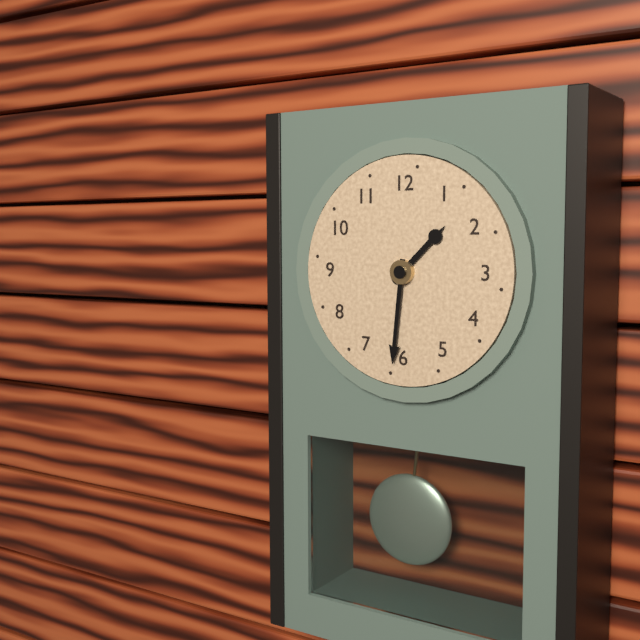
{"hour": 1, "minute": 31}
